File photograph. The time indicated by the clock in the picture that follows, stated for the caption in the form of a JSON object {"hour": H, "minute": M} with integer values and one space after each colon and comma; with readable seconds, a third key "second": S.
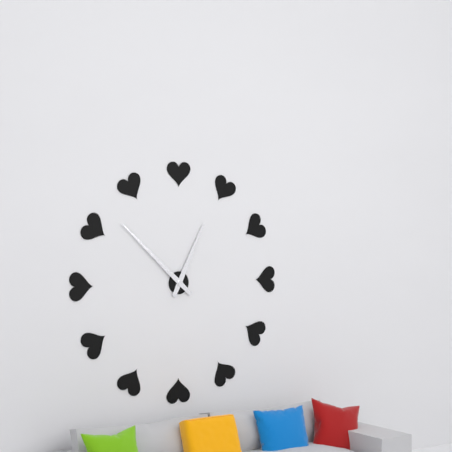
{"hour": 12, "minute": 52}
